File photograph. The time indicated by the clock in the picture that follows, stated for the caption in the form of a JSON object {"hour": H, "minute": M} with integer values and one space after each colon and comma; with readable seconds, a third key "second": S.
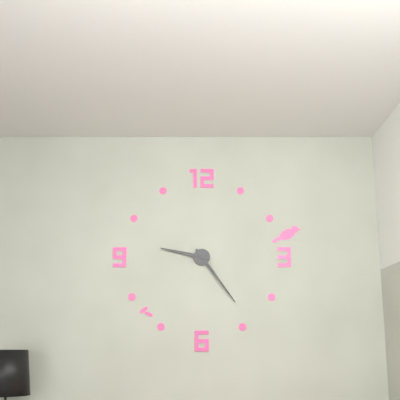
{"hour": 9, "minute": 24}
